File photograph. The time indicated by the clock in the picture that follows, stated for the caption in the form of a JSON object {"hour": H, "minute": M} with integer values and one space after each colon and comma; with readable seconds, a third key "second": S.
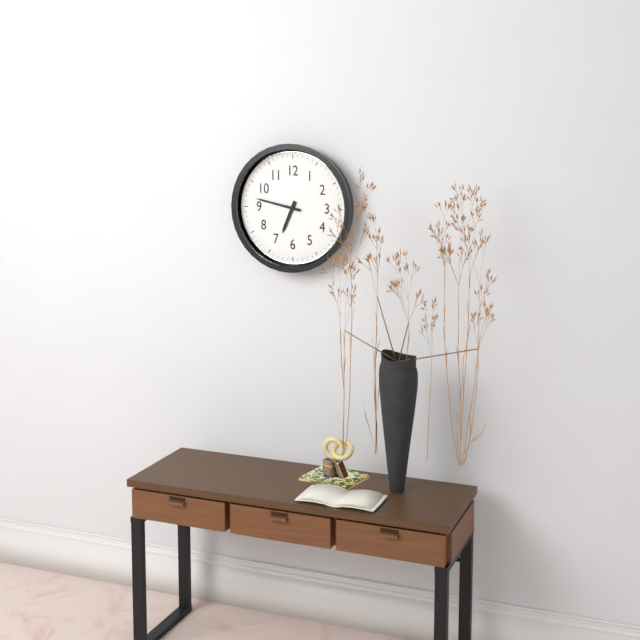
{"hour": 6, "minute": 47}
